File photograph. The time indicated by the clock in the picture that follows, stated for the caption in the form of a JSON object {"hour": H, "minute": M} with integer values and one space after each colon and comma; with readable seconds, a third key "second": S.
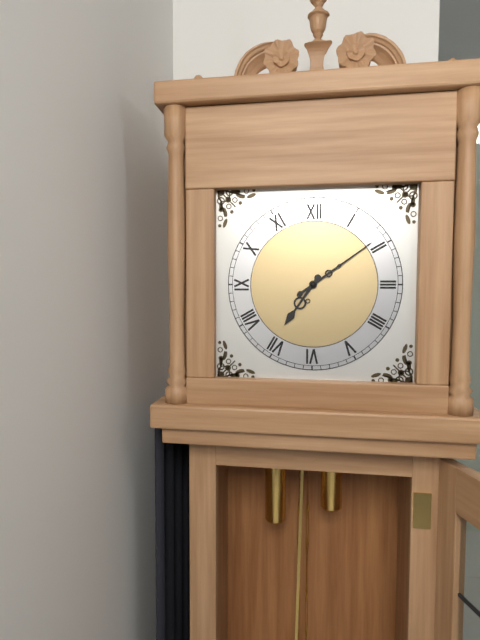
{"hour": 7, "minute": 9}
